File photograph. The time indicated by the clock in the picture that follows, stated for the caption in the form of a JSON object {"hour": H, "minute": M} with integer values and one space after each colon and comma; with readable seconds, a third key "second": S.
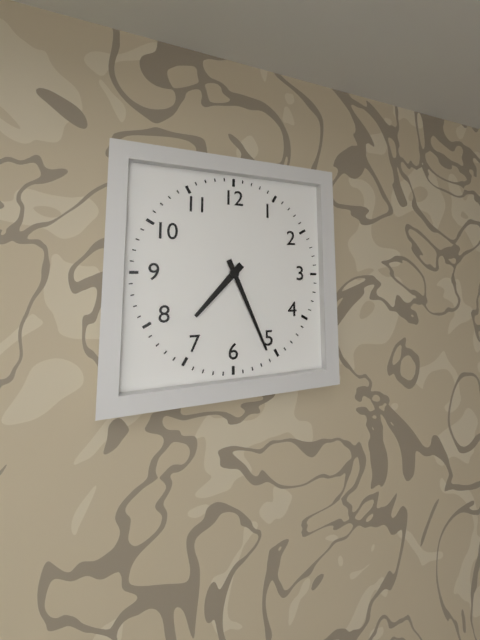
{"hour": 7, "minute": 26}
